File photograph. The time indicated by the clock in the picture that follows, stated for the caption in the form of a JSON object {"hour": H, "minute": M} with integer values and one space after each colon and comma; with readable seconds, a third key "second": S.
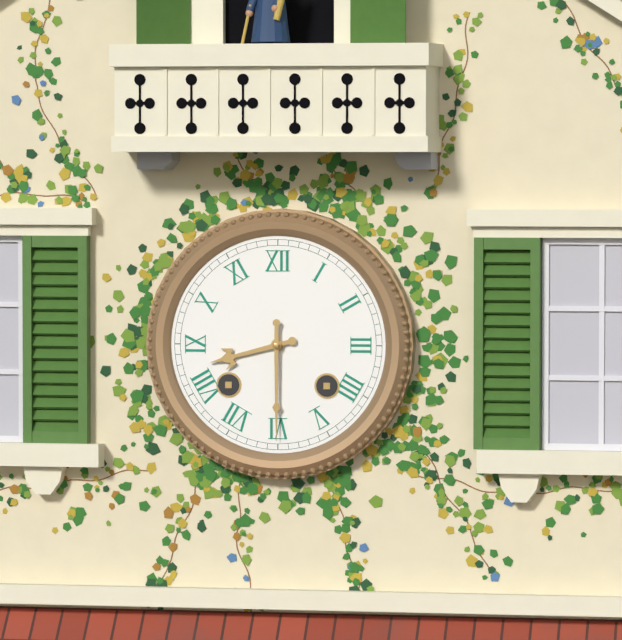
{"hour": 8, "minute": 30}
